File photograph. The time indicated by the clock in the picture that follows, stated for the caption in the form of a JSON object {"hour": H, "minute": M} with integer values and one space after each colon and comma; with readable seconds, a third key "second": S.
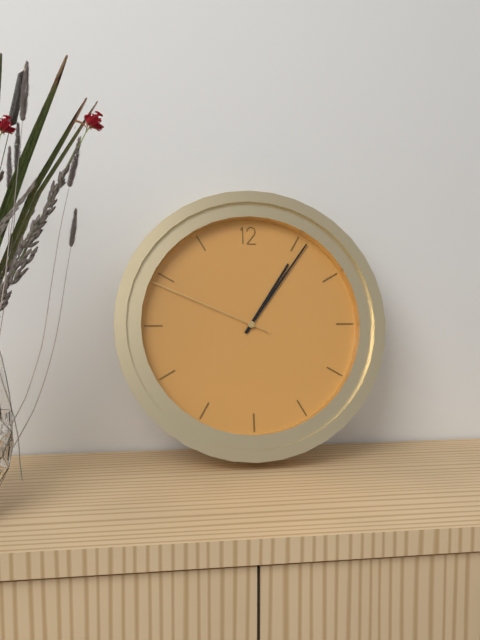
{"hour": 1, "minute": 6, "second": 49}
